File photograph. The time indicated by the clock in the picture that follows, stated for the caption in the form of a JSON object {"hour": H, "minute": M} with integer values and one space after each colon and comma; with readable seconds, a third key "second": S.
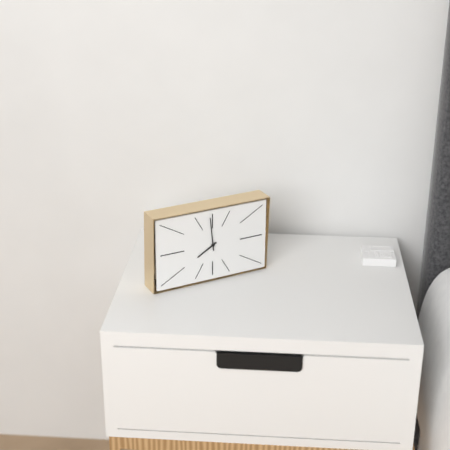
{"hour": 7, "minute": 59}
